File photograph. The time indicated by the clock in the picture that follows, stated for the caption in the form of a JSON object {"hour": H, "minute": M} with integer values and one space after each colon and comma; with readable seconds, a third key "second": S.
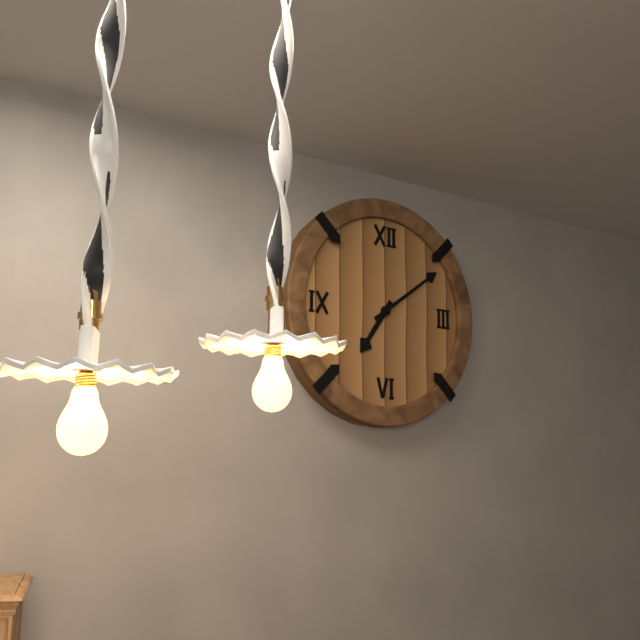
{"hour": 7, "minute": 9}
